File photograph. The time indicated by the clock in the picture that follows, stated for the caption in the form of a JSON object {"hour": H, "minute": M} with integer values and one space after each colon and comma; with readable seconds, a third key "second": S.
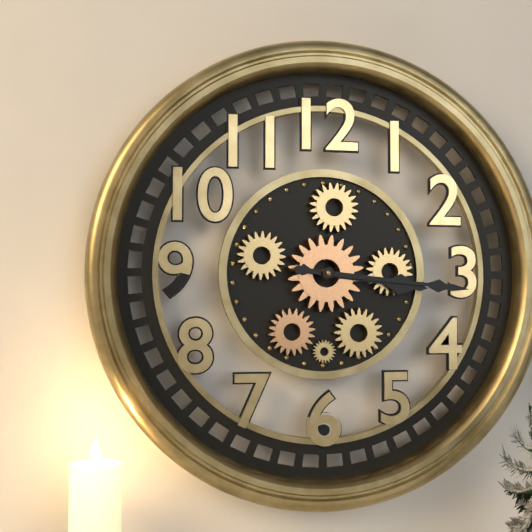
{"hour": 3, "minute": 16}
